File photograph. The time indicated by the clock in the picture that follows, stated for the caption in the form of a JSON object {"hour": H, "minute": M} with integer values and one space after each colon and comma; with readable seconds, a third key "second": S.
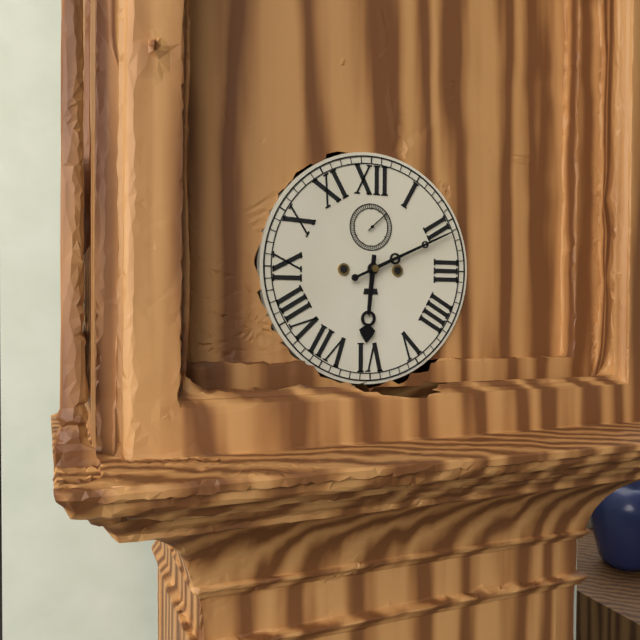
{"hour": 6, "minute": 11}
